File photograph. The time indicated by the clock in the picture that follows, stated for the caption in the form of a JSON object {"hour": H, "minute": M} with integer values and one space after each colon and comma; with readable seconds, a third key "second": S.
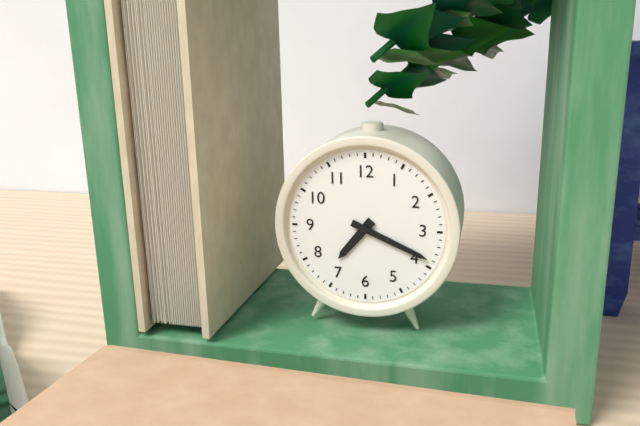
{"hour": 7, "minute": 19}
